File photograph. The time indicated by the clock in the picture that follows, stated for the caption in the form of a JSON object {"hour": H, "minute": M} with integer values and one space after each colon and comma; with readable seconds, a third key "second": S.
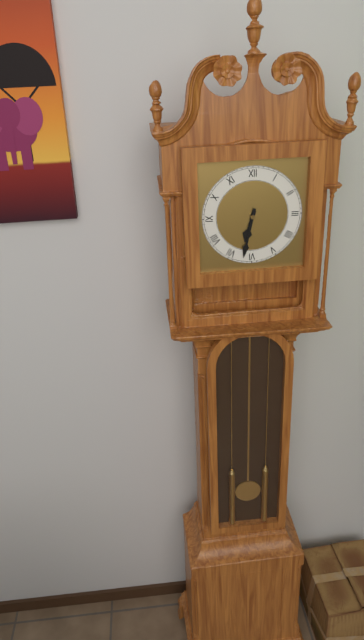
{"hour": 6, "minute": 32}
